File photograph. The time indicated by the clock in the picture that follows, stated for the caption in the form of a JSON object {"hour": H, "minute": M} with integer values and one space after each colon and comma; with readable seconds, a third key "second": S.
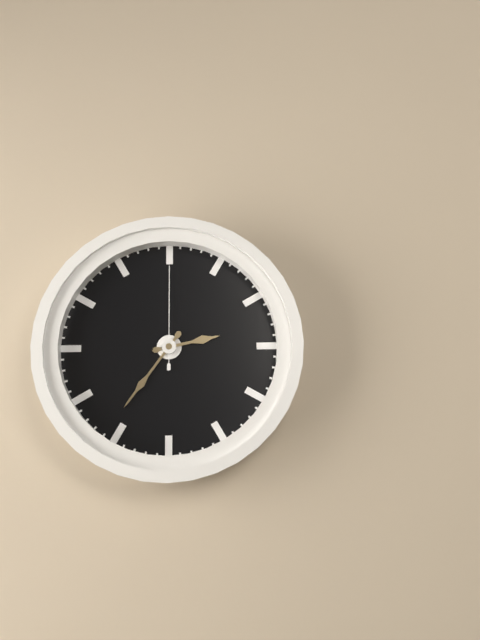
{"hour": 2, "minute": 36, "second": 0}
